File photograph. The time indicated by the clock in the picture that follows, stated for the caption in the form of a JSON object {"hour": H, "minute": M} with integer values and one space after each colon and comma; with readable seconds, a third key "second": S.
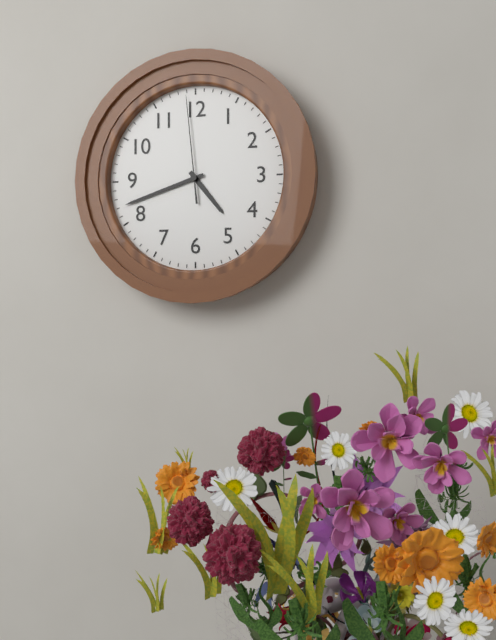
{"hour": 4, "minute": 42, "second": 59}
